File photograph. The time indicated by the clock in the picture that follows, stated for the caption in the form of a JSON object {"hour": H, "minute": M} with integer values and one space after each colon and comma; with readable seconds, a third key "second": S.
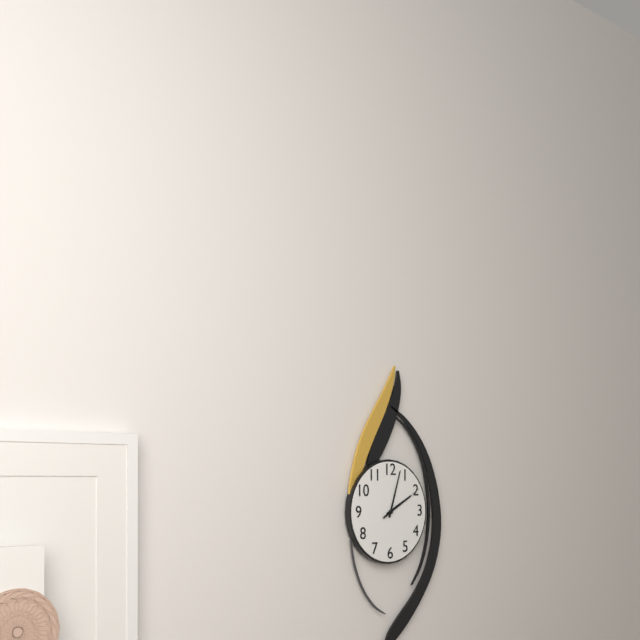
{"hour": 2, "minute": 3}
